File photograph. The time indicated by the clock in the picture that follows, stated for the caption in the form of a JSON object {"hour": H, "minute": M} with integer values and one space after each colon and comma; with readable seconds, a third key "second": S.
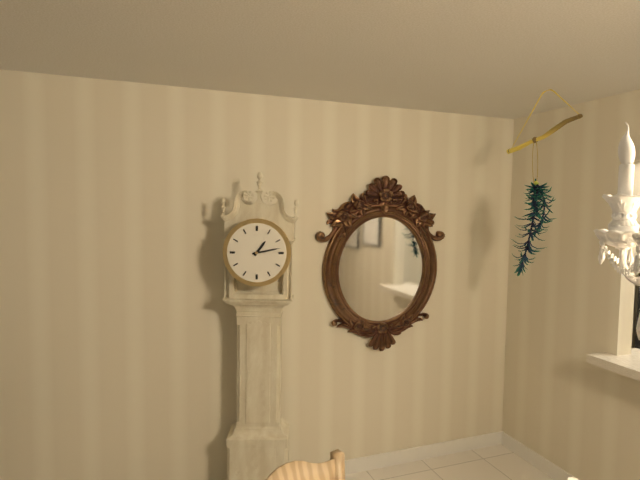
{"hour": 1, "minute": 13}
